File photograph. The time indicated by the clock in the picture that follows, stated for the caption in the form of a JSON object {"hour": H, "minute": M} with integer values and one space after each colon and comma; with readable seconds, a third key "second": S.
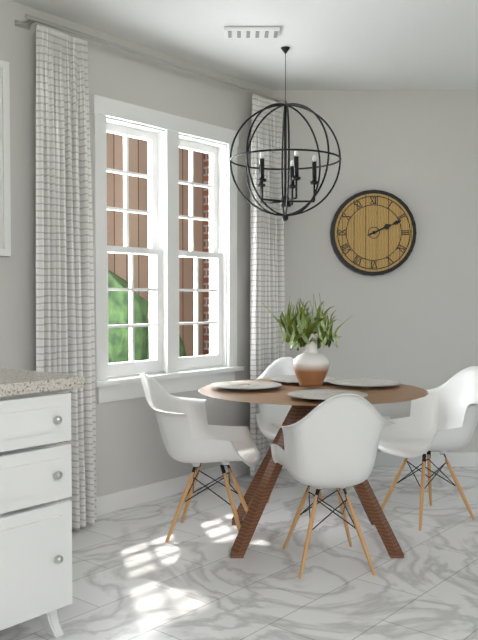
{"hour": 2, "minute": 11}
